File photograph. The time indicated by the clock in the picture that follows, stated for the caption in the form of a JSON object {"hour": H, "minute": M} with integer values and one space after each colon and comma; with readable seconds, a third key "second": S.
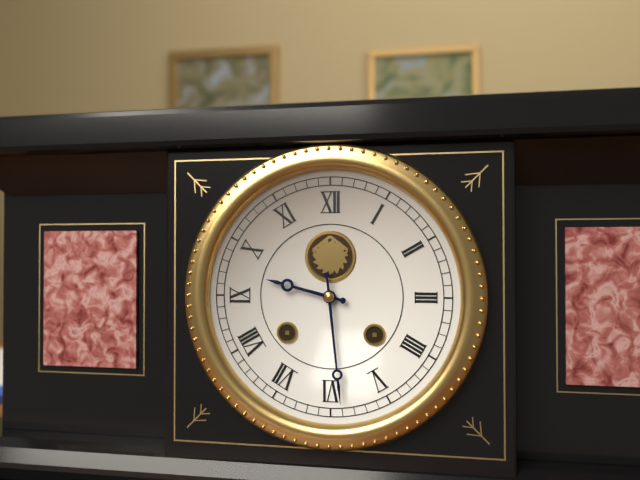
{"hour": 9, "minute": 29}
